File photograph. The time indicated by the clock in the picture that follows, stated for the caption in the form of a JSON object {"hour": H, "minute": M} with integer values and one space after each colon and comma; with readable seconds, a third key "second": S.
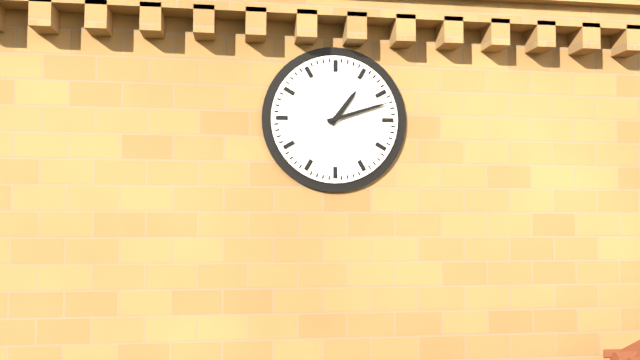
{"hour": 1, "minute": 12}
